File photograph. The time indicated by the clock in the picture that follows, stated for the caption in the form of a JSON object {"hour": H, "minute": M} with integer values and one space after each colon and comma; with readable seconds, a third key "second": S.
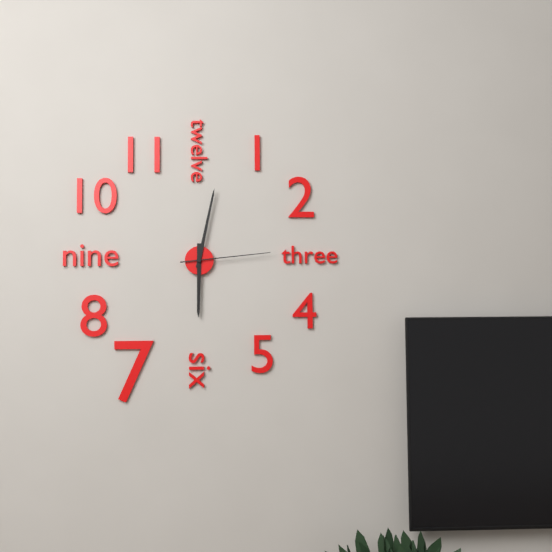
{"hour": 6, "minute": 2, "second": 14}
